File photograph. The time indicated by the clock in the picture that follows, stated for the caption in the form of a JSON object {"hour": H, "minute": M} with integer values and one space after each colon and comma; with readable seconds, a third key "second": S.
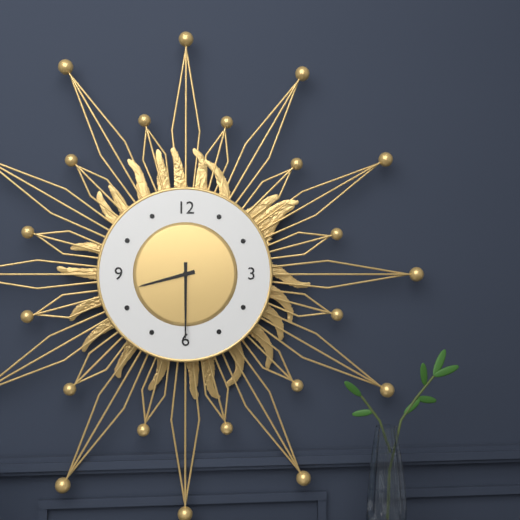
{"hour": 8, "minute": 30}
